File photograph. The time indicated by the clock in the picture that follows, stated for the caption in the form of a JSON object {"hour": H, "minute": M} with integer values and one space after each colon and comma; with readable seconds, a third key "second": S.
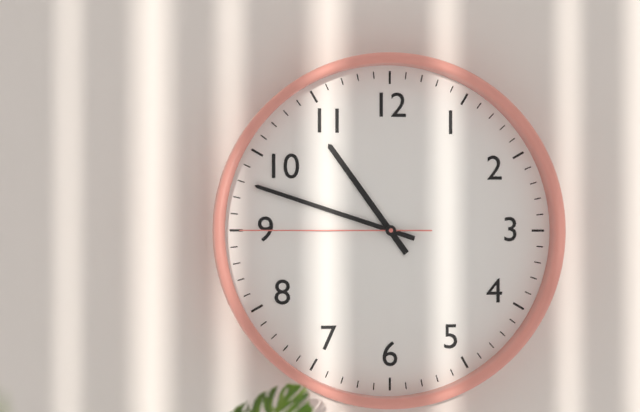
{"hour": 10, "minute": 48, "second": 45}
